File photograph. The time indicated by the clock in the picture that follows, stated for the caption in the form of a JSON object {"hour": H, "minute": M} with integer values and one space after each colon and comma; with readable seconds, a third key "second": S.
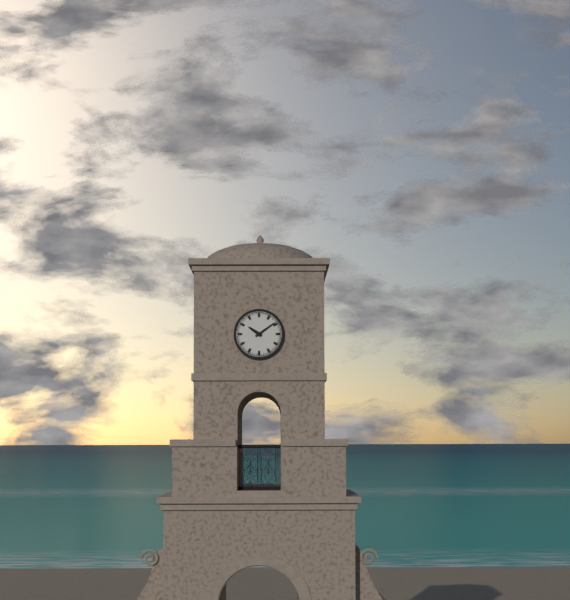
{"hour": 10, "minute": 9}
